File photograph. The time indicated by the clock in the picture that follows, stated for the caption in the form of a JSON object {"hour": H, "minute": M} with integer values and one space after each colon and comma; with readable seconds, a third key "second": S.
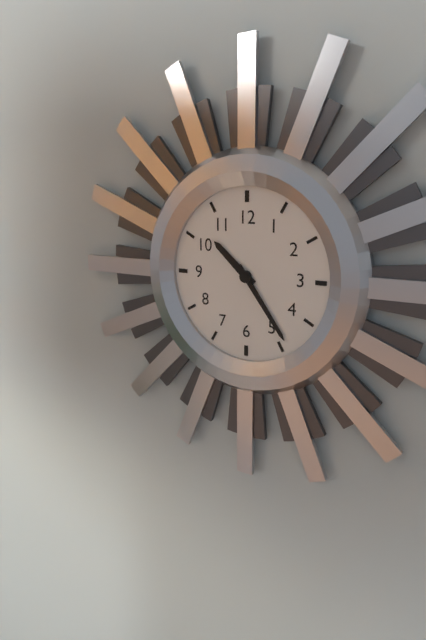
{"hour": 10, "minute": 24}
